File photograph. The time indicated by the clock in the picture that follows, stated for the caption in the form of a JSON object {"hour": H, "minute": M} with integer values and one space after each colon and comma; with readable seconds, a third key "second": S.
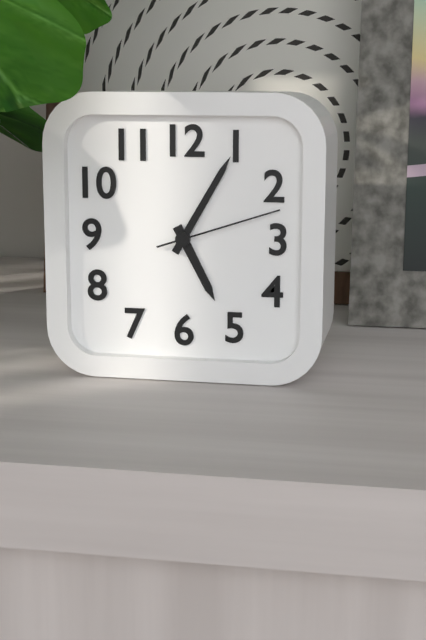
{"hour": 5, "minute": 5, "second": 12}
